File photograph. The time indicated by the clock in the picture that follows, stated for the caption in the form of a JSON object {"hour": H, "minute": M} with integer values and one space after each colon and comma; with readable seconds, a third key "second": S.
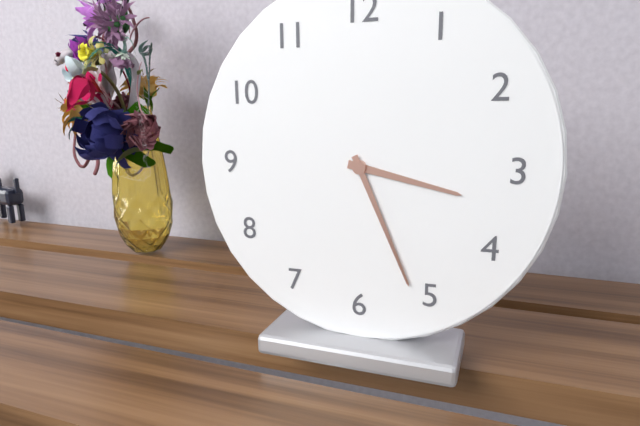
{"hour": 3, "minute": 26}
